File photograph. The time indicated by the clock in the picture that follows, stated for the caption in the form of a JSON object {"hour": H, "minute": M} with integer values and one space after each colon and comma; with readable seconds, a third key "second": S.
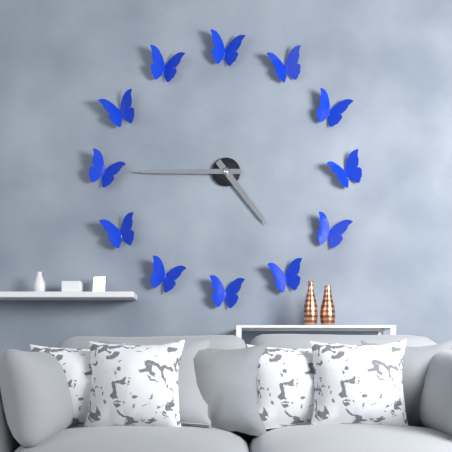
{"hour": 4, "minute": 45}
